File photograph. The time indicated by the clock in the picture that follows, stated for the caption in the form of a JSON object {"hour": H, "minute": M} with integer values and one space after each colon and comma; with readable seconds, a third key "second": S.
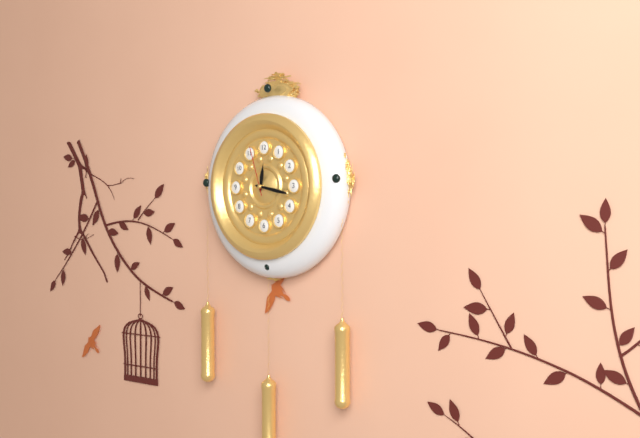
{"hour": 12, "minute": 17, "second": 57}
